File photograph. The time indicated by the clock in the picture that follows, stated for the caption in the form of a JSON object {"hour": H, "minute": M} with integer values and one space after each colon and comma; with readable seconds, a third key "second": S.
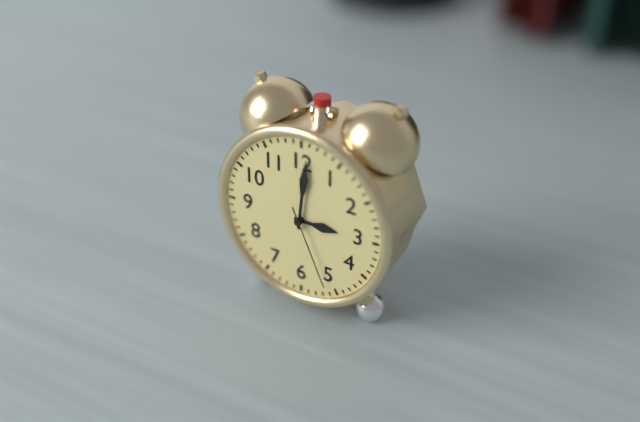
{"hour": 3, "minute": 1, "second": 26}
